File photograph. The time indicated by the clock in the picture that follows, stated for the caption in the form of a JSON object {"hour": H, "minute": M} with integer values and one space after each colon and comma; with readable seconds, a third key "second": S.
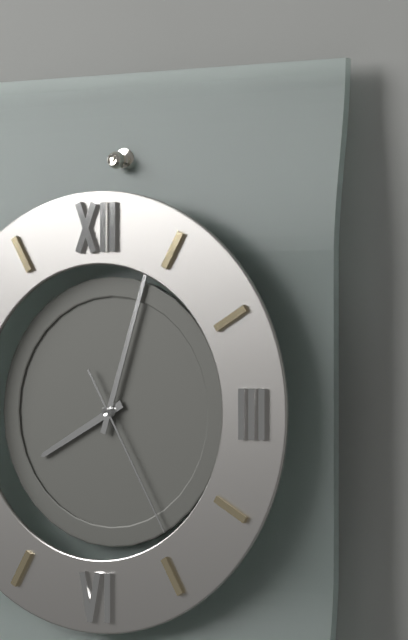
{"hour": 8, "minute": 3, "second": 25}
